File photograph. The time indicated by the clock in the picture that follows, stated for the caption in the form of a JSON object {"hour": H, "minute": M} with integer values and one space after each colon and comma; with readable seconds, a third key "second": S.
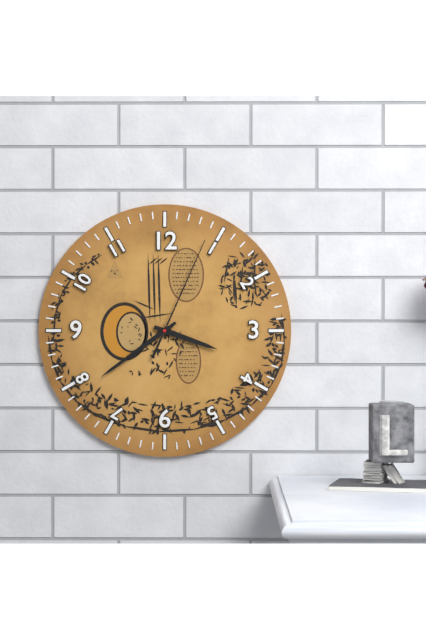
{"hour": 3, "minute": 39, "second": 4}
